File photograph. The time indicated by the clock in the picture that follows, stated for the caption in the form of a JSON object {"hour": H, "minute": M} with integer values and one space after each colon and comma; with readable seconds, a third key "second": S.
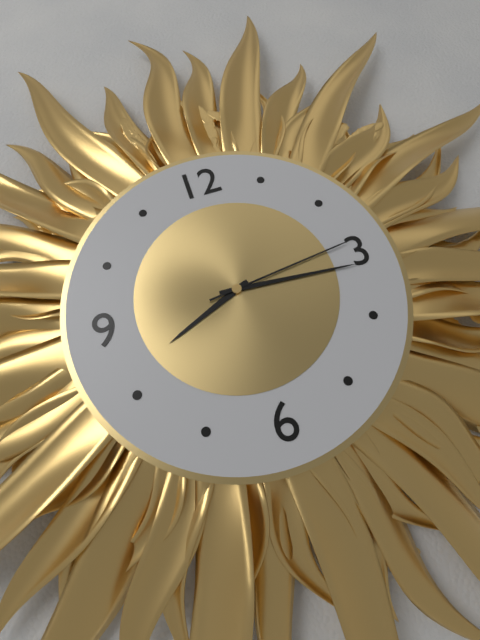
{"hour": 8, "minute": 16, "second": 14}
